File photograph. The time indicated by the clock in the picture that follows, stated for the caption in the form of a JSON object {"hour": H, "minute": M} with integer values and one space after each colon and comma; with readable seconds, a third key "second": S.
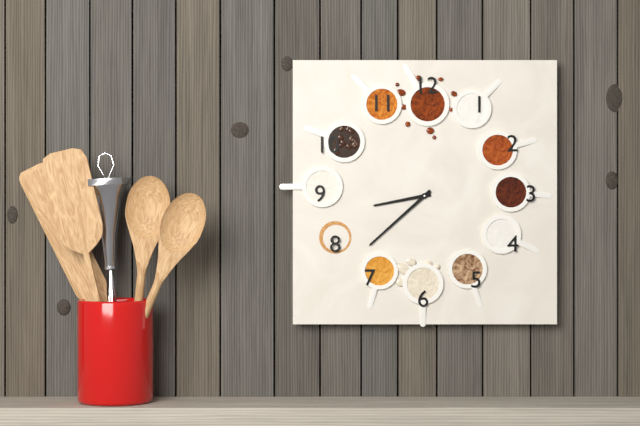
{"hour": 8, "minute": 38}
